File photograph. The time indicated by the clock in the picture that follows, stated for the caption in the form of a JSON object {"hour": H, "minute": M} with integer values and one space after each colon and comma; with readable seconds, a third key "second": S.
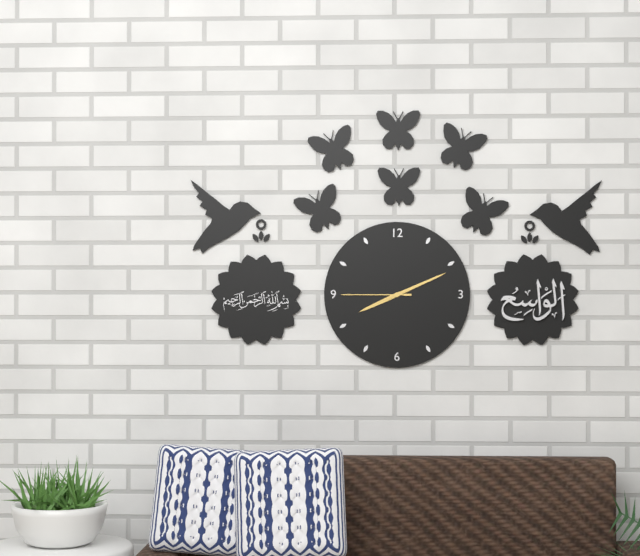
{"hour": 8, "minute": 11, "second": 45}
